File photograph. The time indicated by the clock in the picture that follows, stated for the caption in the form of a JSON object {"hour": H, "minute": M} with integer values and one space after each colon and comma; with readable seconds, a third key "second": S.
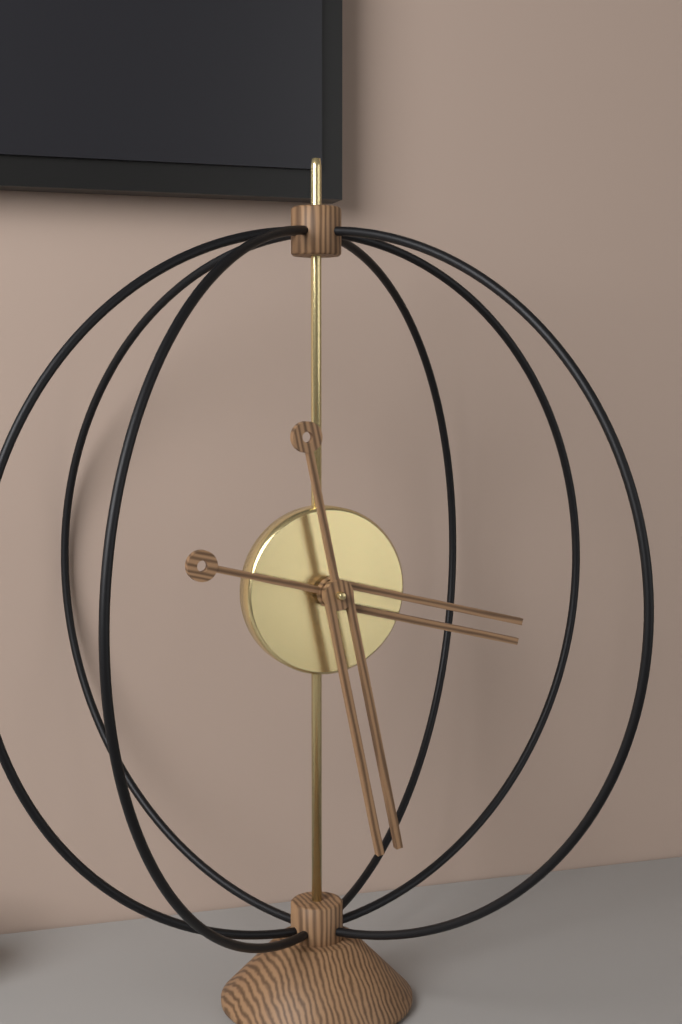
{"hour": 3, "minute": 28}
